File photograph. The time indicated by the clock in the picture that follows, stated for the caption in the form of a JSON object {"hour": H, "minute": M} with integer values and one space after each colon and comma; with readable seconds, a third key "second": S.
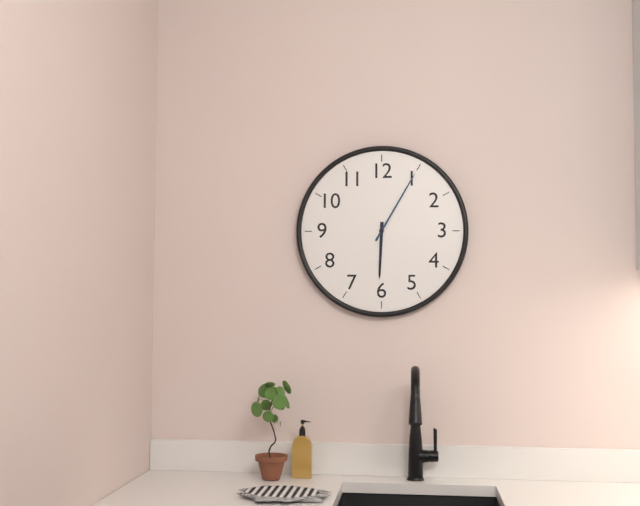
{"hour": 6, "minute": 5}
